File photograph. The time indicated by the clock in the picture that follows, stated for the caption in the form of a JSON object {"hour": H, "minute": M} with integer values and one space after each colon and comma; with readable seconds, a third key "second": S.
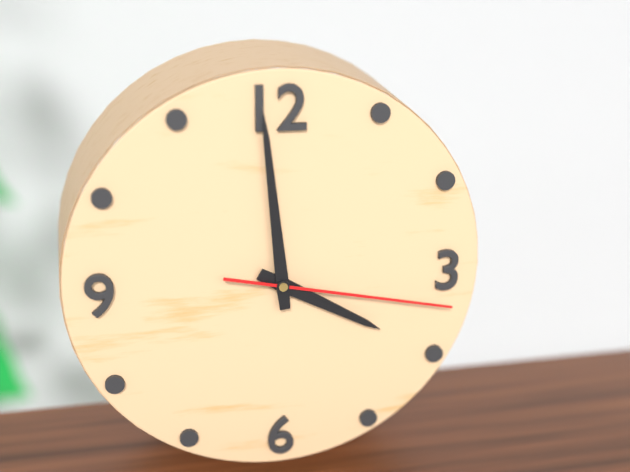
{"hour": 3, "minute": 59, "second": 17}
